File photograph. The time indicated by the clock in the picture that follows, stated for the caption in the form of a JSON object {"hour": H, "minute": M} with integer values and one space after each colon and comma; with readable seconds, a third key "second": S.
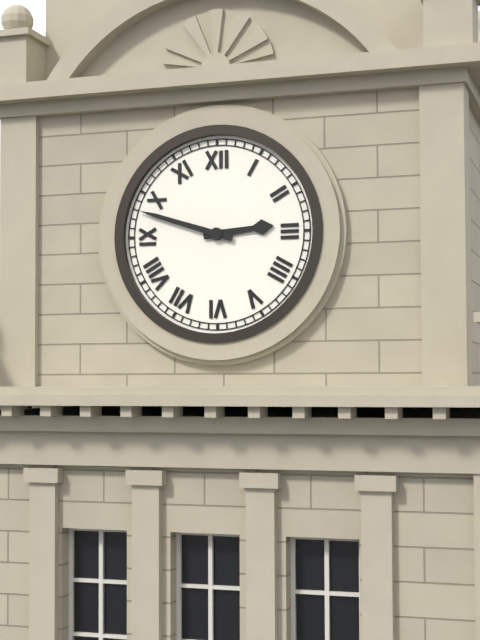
{"hour": 2, "minute": 48}
